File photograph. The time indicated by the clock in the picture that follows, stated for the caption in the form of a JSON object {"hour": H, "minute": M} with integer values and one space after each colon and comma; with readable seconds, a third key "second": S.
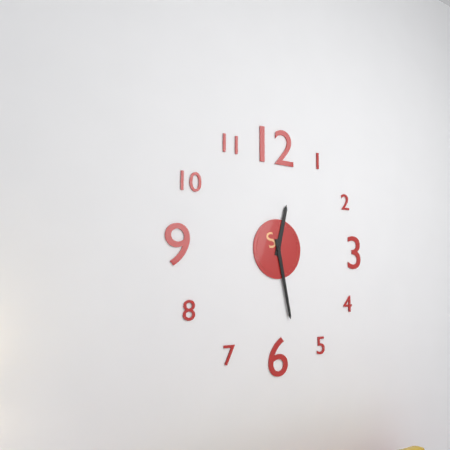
{"hour": 12, "minute": 28}
